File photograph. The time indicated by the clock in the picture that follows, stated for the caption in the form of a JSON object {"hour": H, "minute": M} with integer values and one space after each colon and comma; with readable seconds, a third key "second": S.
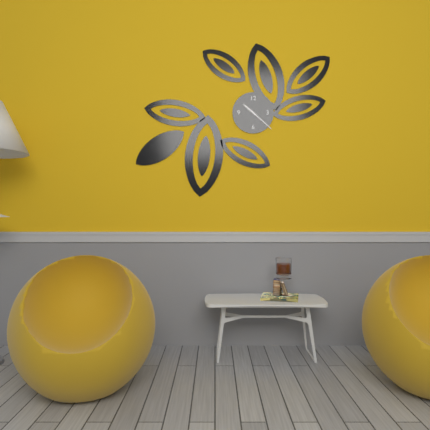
{"hour": 10, "minute": 22}
